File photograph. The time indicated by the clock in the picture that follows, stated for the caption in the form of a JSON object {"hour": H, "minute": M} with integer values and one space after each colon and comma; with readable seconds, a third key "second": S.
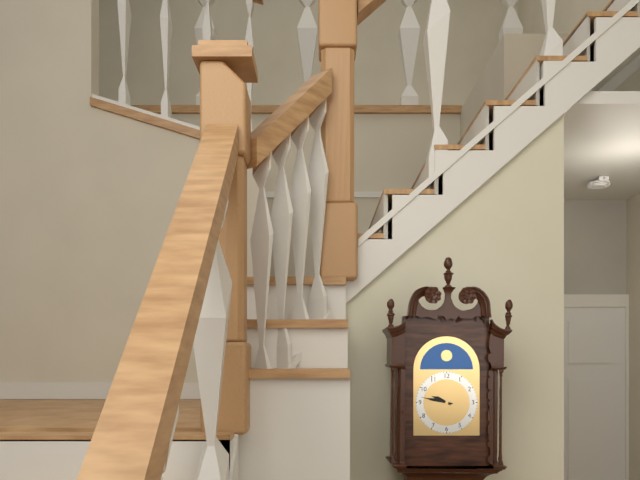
{"hour": 9, "minute": 47}
